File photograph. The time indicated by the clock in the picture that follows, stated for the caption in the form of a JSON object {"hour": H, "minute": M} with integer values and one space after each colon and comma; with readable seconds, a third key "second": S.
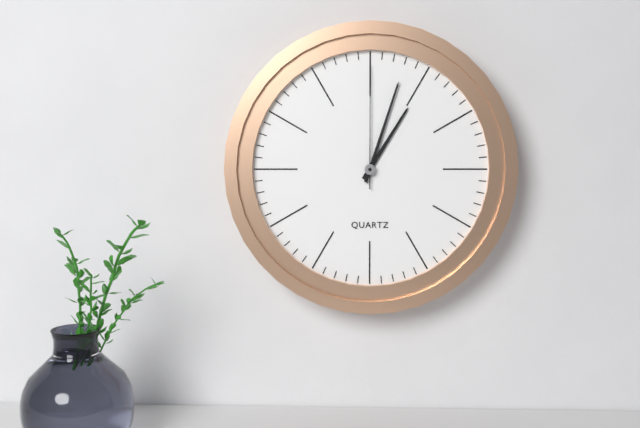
{"hour": 1, "minute": 3, "second": 0}
